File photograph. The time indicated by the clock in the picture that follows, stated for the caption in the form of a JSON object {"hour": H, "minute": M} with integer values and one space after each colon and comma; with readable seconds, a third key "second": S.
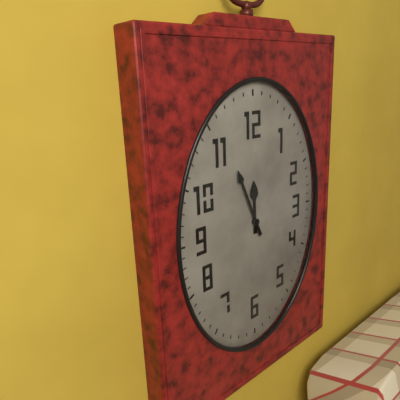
{"hour": 11, "minute": 56}
